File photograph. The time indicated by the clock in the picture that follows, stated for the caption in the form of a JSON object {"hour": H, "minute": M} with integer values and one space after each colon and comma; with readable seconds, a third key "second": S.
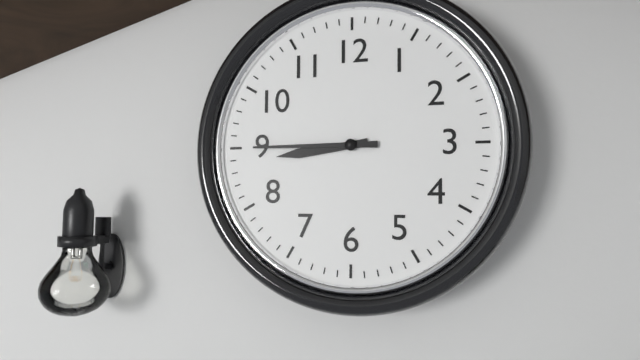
{"hour": 8, "minute": 45}
